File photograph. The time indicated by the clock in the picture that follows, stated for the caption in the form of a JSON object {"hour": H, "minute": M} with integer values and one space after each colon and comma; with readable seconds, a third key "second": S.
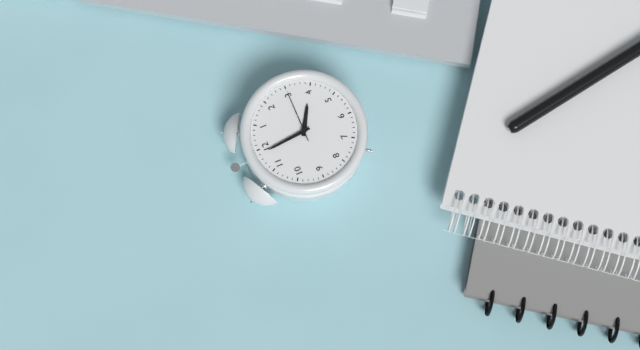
{"hour": 3, "minute": 59, "second": 15}
